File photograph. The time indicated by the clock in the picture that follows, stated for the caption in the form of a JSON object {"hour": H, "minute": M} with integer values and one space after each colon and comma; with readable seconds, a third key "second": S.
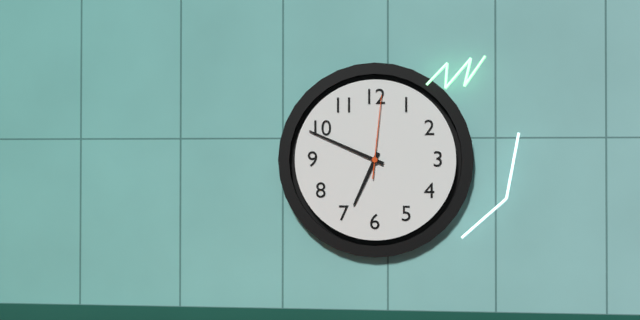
{"hour": 6, "minute": 49, "second": 1}
